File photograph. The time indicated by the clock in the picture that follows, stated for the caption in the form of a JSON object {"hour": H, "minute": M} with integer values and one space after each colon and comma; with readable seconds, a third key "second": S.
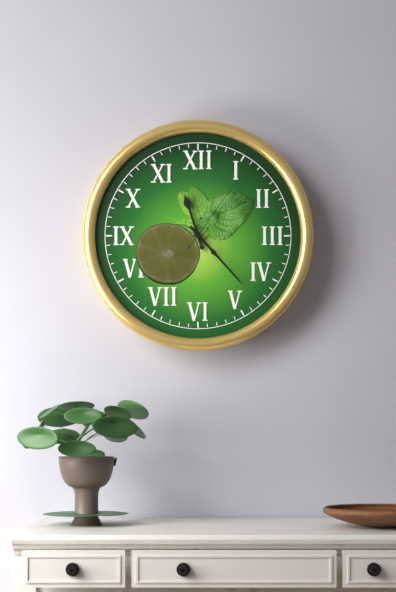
{"hour": 11, "minute": 23, "second": 6}
